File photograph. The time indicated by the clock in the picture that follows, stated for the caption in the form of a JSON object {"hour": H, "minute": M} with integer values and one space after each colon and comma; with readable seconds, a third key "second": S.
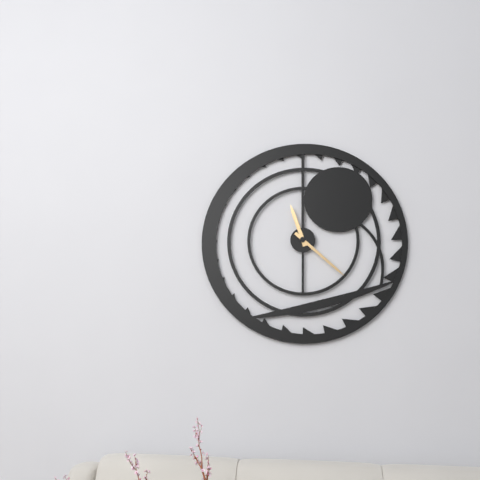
{"hour": 11, "minute": 22}
